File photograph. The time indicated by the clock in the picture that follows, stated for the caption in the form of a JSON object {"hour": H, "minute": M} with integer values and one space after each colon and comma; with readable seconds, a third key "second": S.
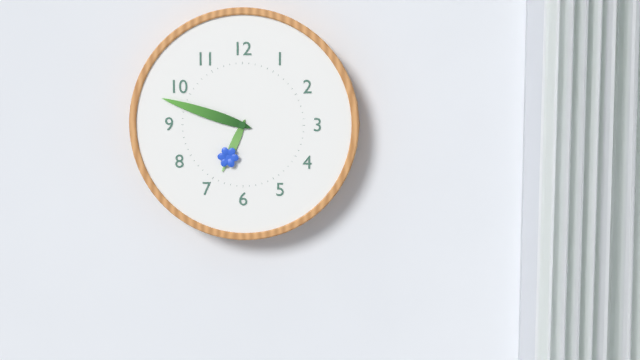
{"hour": 6, "minute": 48}
